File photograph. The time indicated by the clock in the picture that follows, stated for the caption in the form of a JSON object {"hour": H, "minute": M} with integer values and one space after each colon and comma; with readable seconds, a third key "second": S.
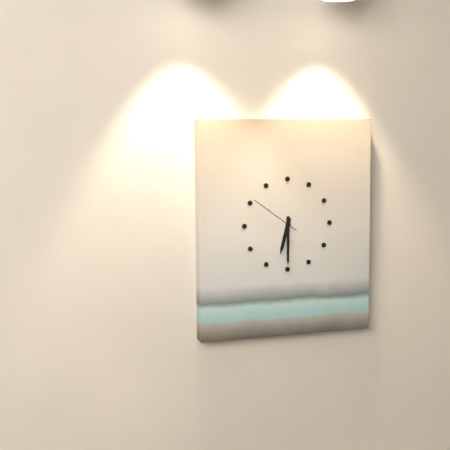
{"hour": 6, "minute": 30, "second": 51}
